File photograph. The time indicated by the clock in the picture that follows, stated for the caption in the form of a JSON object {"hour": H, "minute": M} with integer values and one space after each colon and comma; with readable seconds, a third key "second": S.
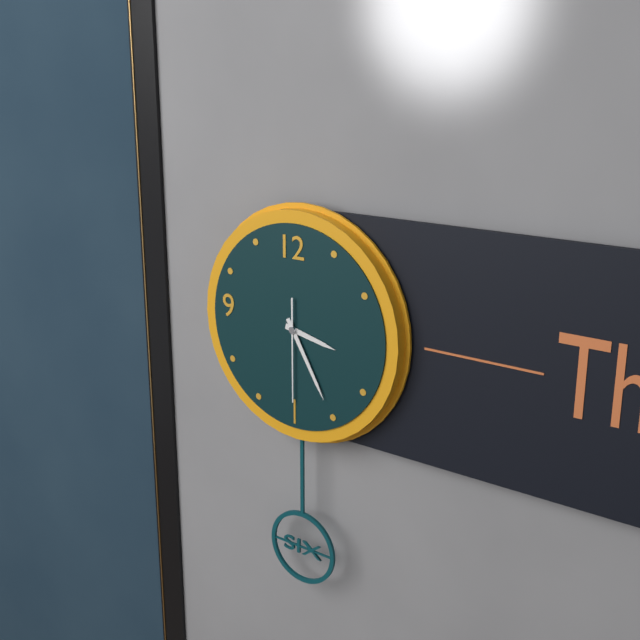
{"hour": 3, "minute": 25, "second": 30}
